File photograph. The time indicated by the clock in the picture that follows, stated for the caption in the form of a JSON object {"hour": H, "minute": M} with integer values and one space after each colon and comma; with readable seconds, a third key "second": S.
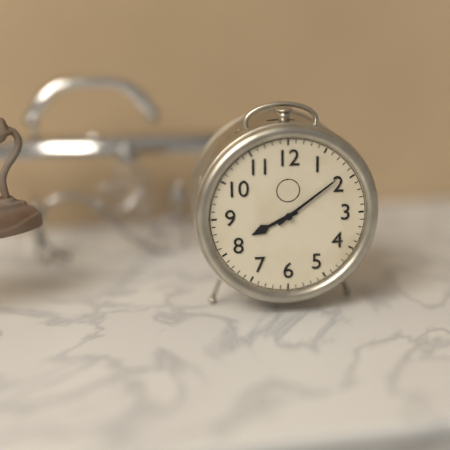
{"hour": 8, "minute": 9}
